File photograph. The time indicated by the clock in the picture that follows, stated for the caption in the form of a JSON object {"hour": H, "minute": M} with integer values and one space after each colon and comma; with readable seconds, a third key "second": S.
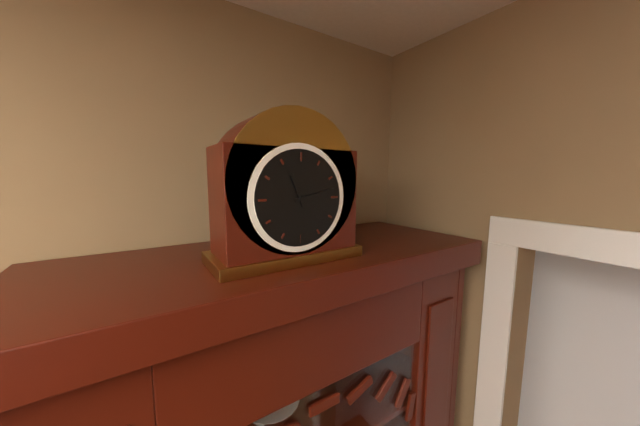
{"hour": 11, "minute": 13}
